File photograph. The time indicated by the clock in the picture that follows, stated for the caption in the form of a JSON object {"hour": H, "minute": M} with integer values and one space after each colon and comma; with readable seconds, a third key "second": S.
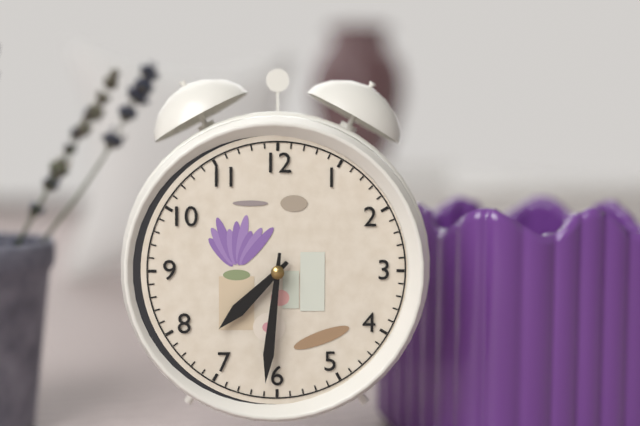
{"hour": 7, "minute": 31}
